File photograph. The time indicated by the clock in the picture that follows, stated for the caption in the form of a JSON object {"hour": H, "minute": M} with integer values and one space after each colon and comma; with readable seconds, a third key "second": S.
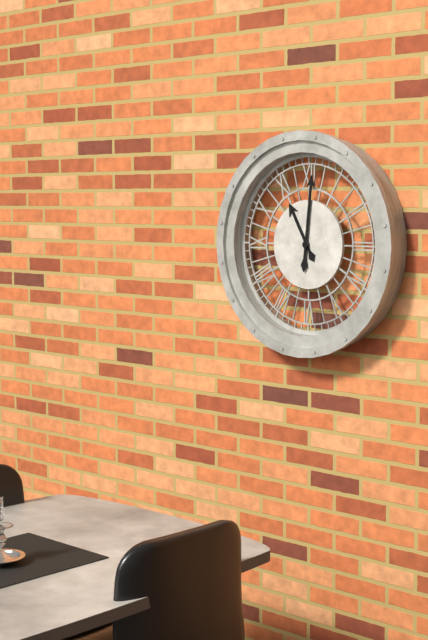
{"hour": 11, "minute": 1}
